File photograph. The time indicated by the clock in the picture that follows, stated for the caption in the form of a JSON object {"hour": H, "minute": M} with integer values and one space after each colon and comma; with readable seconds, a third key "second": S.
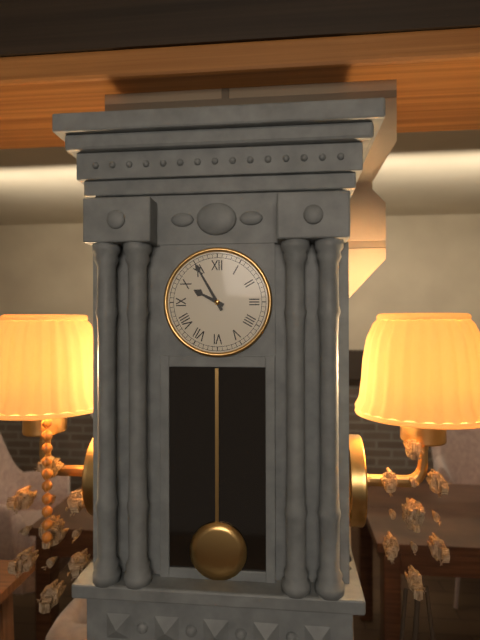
{"hour": 9, "minute": 55}
